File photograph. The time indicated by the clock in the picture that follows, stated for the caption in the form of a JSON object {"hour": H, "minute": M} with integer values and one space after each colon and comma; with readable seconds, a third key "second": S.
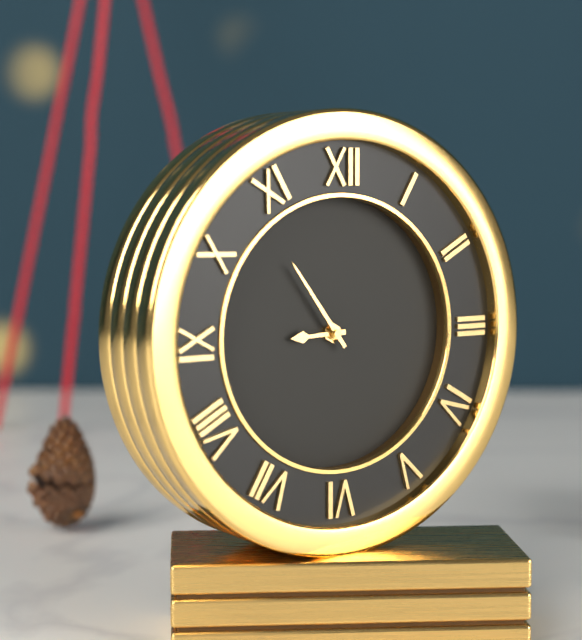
{"hour": 8, "minute": 54}
